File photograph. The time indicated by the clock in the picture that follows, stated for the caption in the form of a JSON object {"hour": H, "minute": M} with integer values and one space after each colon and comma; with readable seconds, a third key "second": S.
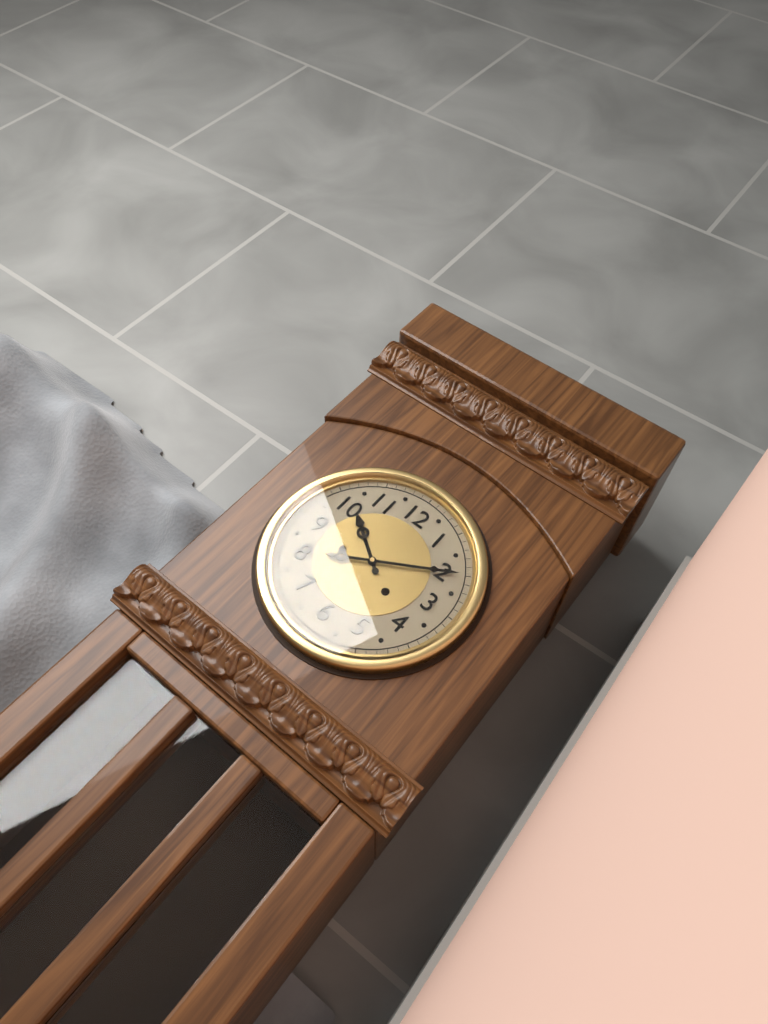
{"hour": 10, "minute": 10}
